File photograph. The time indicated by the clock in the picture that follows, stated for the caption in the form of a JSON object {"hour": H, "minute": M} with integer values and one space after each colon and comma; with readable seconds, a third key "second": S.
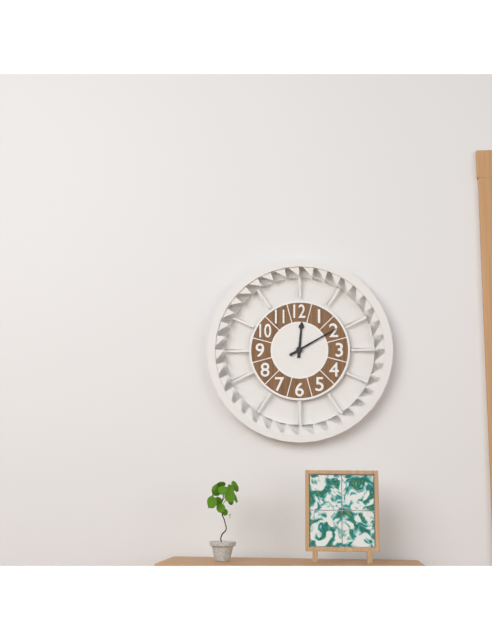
{"hour": 12, "minute": 10}
